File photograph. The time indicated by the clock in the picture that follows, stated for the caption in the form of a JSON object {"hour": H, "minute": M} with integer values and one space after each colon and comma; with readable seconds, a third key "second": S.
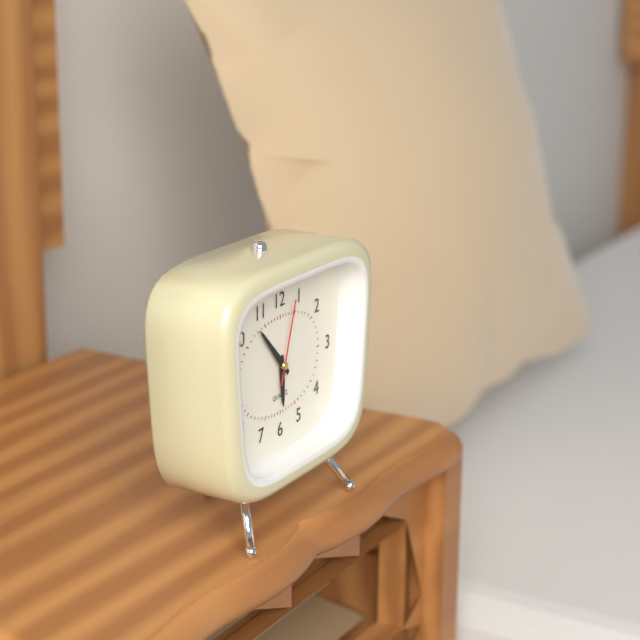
{"hour": 5, "minute": 53, "second": 3}
